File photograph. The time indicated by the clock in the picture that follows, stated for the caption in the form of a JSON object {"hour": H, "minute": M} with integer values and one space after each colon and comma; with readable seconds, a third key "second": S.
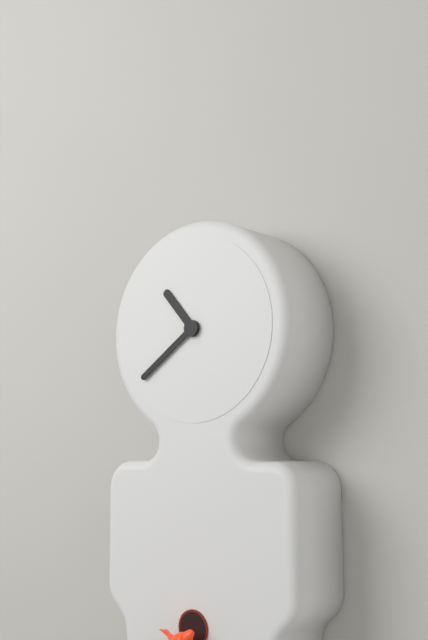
{"hour": 10, "minute": 39}
